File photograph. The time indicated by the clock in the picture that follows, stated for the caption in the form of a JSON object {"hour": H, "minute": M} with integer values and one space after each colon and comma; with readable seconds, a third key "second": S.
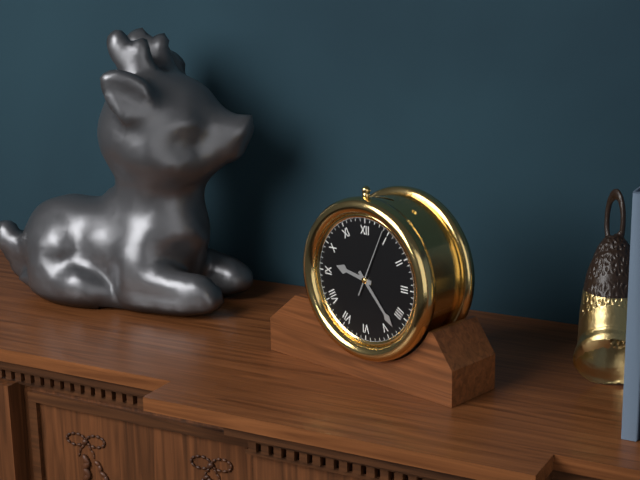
{"hour": 9, "minute": 23, "second": 4}
